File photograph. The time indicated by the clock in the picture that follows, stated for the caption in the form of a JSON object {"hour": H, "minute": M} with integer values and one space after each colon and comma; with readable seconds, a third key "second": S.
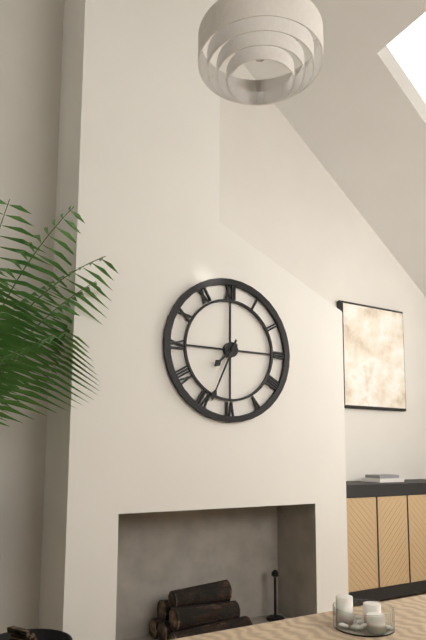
{"hour": 7, "minute": 34}
